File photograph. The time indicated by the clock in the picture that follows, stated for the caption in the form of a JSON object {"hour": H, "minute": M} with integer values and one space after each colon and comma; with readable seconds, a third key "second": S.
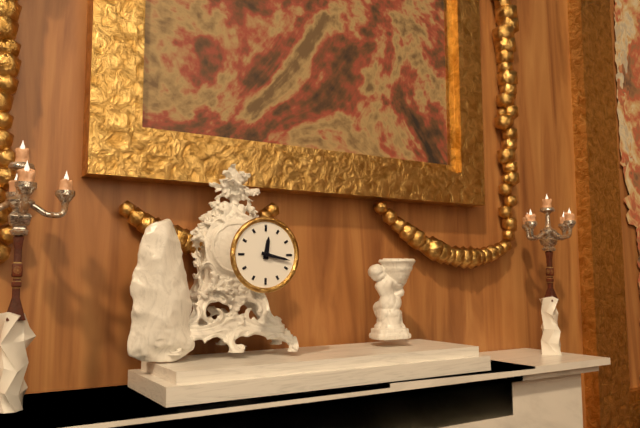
{"hour": 12, "minute": 17}
